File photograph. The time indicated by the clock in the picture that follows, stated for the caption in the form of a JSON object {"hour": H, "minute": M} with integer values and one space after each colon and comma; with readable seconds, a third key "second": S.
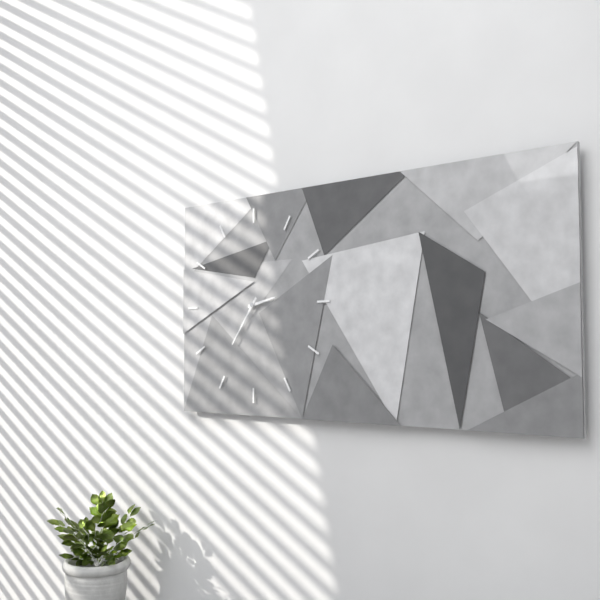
{"hour": 2, "minute": 36}
